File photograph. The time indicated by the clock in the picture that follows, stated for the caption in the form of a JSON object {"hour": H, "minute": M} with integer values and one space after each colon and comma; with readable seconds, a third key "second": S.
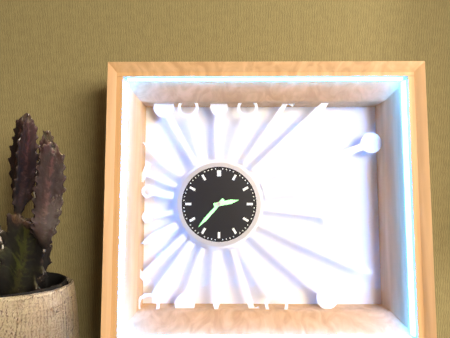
{"hour": 2, "minute": 37}
